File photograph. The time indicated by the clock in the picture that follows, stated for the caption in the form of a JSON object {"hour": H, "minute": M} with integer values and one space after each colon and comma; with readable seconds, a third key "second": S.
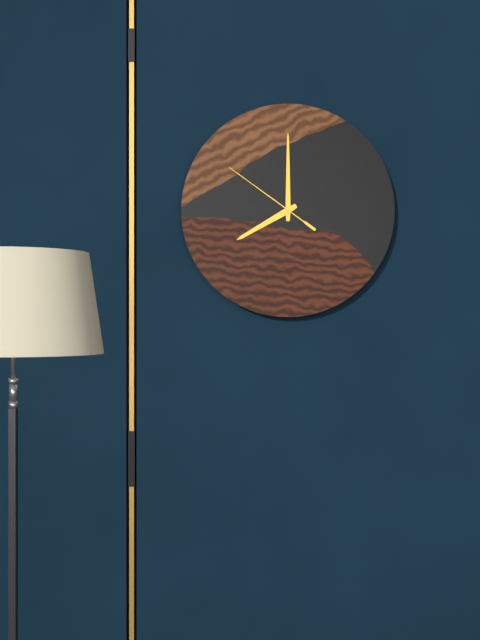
{"hour": 8, "minute": 0, "second": 51}
